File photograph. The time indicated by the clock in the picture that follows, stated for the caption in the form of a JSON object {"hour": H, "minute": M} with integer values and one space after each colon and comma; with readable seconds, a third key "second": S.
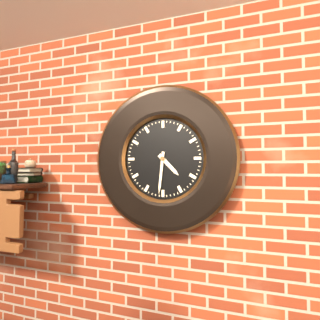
{"hour": 4, "minute": 31}
